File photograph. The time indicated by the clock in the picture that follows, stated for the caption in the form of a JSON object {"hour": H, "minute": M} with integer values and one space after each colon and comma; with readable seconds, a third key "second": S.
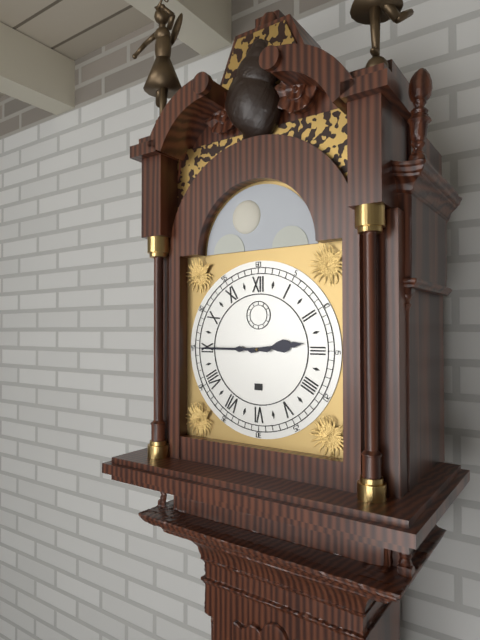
{"hour": 2, "minute": 45}
